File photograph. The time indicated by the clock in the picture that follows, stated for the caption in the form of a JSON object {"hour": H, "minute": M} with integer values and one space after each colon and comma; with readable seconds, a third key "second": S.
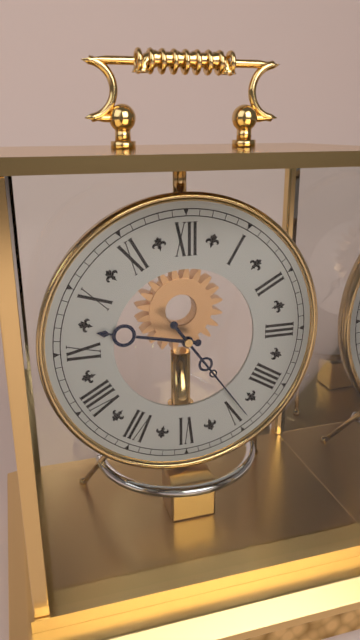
{"hour": 9, "minute": 24}
